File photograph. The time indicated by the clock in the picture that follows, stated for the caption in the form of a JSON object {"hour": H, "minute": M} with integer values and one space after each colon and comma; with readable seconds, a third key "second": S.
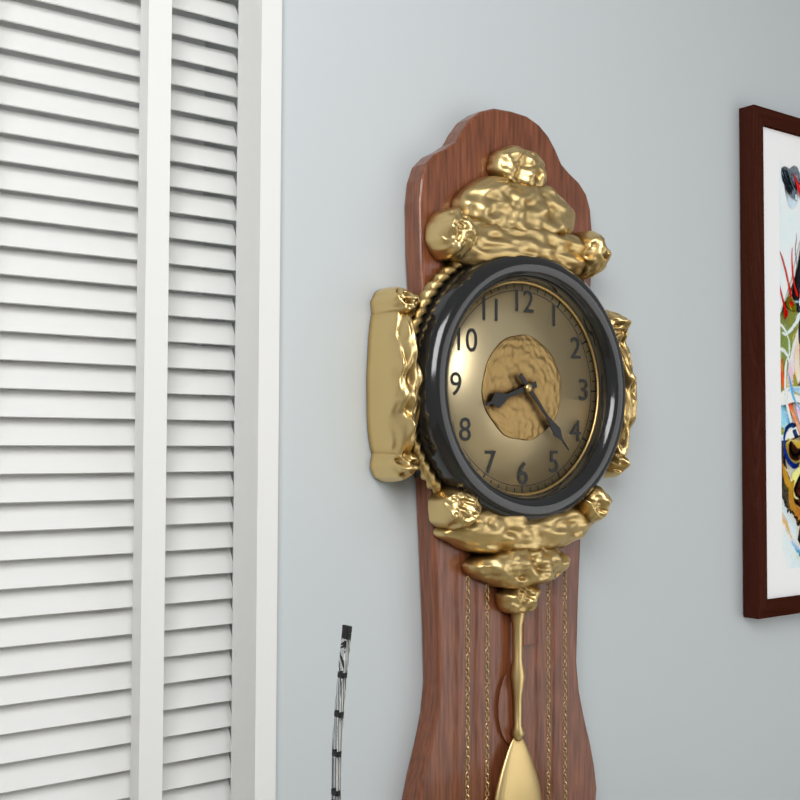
{"hour": 8, "minute": 23}
